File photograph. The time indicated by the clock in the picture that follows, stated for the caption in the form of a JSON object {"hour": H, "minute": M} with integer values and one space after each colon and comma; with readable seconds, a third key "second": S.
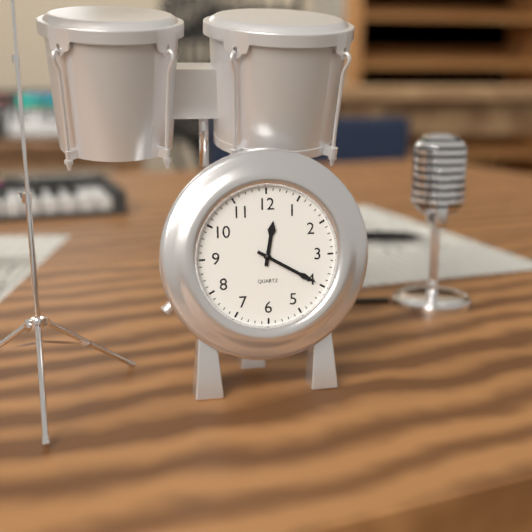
{"hour": 12, "minute": 20}
